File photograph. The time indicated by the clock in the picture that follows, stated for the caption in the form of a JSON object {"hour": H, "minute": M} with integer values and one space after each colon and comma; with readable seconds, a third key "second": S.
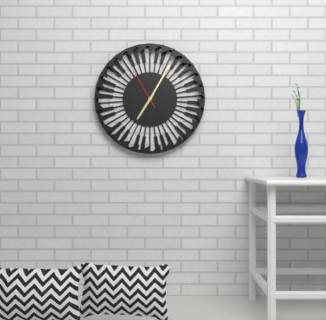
{"hour": 7, "minute": 5}
